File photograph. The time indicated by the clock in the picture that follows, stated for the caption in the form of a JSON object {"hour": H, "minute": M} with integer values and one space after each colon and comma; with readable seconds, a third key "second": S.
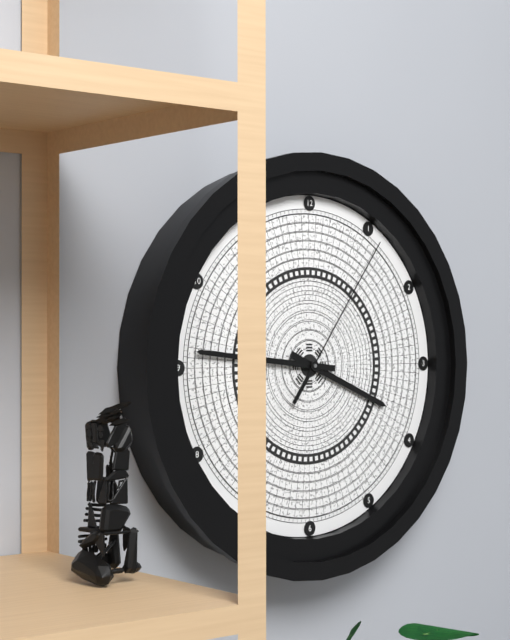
{"hour": 3, "minute": 46, "second": 6}
